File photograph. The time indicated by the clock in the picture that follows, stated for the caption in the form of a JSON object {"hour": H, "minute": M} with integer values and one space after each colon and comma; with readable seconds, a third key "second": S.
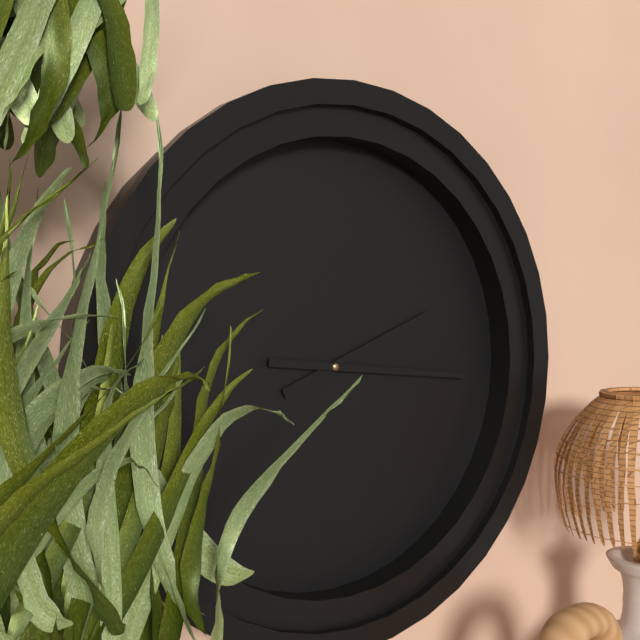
{"hour": 2, "minute": 16}
